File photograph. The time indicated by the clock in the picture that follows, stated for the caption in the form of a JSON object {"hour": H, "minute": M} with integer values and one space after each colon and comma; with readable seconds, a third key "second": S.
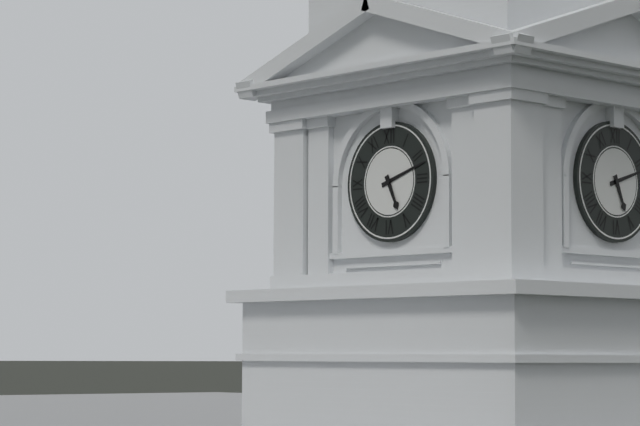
{"hour": 5, "minute": 12}
